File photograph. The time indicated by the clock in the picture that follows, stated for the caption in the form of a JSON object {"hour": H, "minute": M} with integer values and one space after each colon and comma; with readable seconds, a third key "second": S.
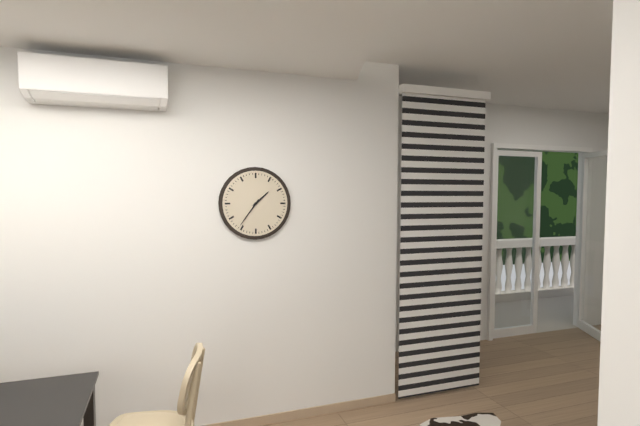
{"hour": 1, "minute": 36}
